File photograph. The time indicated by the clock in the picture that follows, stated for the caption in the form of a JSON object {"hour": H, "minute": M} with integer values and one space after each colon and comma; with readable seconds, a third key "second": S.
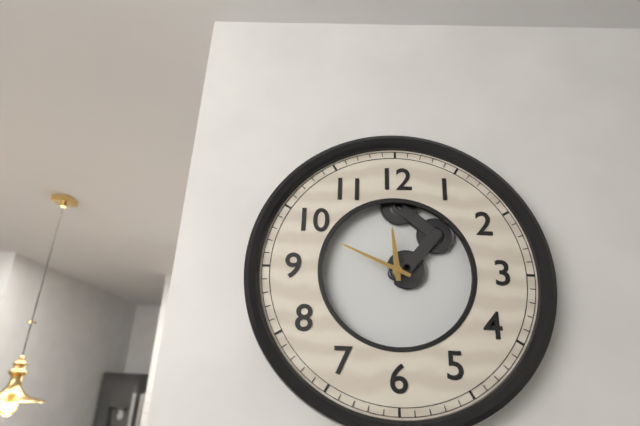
{"hour": 11, "minute": 49}
